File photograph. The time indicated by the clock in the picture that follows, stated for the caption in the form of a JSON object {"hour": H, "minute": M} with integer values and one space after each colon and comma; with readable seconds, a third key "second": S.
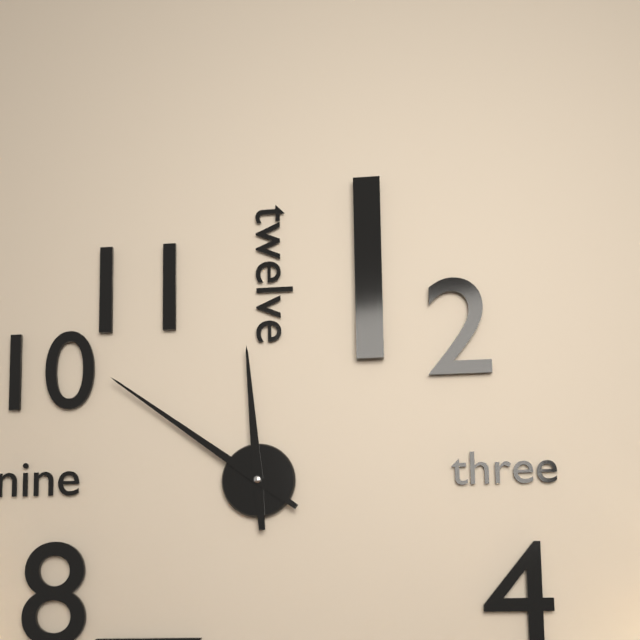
{"hour": 11, "minute": 51}
